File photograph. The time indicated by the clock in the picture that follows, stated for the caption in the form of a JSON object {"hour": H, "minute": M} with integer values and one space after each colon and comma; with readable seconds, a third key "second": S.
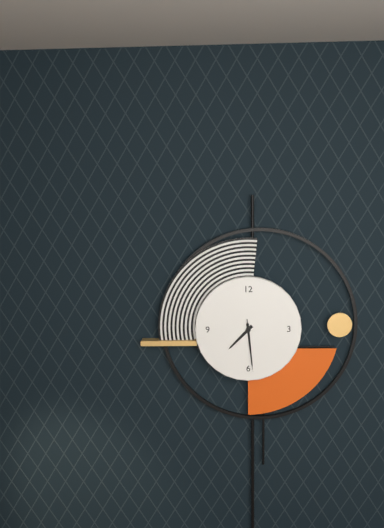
{"hour": 7, "minute": 29, "second": 29}
